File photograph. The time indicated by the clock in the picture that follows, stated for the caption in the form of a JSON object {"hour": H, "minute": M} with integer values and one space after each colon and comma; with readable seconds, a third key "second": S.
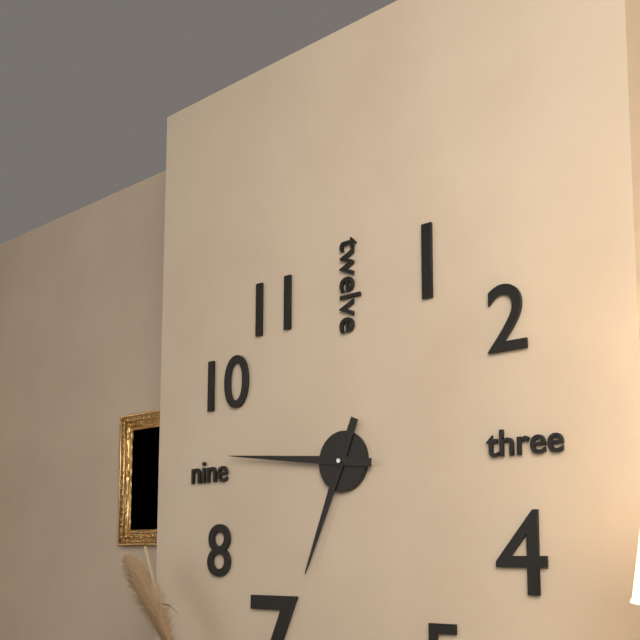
{"hour": 6, "minute": 46}
